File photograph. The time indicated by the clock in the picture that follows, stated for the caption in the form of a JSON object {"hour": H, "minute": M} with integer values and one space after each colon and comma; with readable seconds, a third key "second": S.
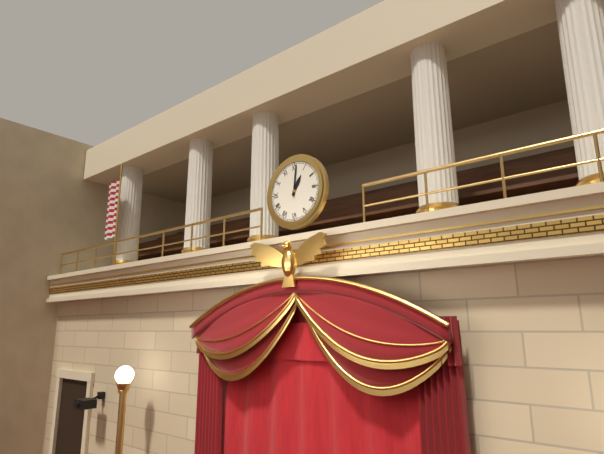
{"hour": 1, "minute": 1}
